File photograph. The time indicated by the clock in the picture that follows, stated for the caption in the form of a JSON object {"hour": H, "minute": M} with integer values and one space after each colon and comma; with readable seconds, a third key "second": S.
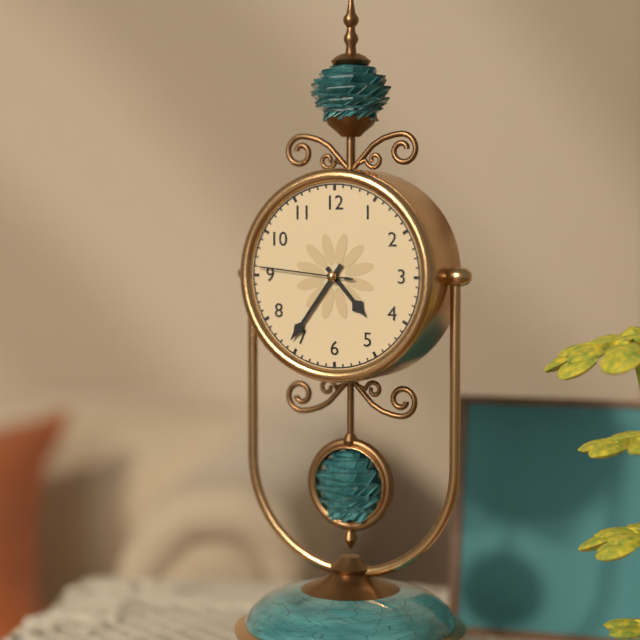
{"hour": 4, "minute": 36, "second": 46}
